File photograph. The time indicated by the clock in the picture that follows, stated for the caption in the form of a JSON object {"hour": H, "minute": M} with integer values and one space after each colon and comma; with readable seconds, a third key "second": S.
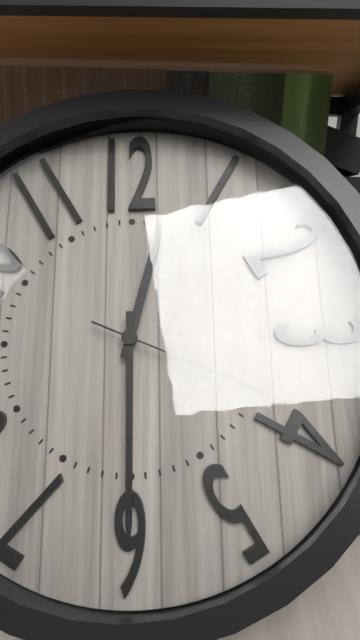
{"hour": 12, "minute": 30, "second": 19}
